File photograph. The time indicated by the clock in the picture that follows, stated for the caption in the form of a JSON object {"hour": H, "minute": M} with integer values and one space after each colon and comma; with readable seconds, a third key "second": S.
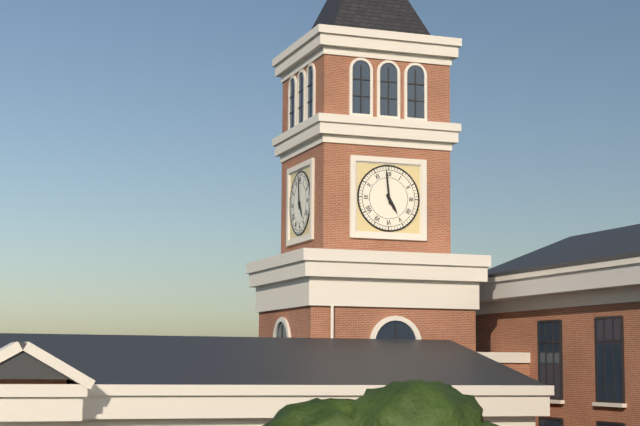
{"hour": 4, "minute": 59}
